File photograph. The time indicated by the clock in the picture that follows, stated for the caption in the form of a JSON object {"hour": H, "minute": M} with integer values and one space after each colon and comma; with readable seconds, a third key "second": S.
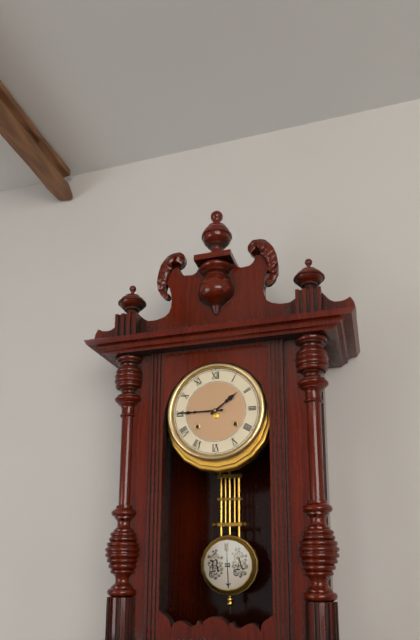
{"hour": 1, "minute": 45}
